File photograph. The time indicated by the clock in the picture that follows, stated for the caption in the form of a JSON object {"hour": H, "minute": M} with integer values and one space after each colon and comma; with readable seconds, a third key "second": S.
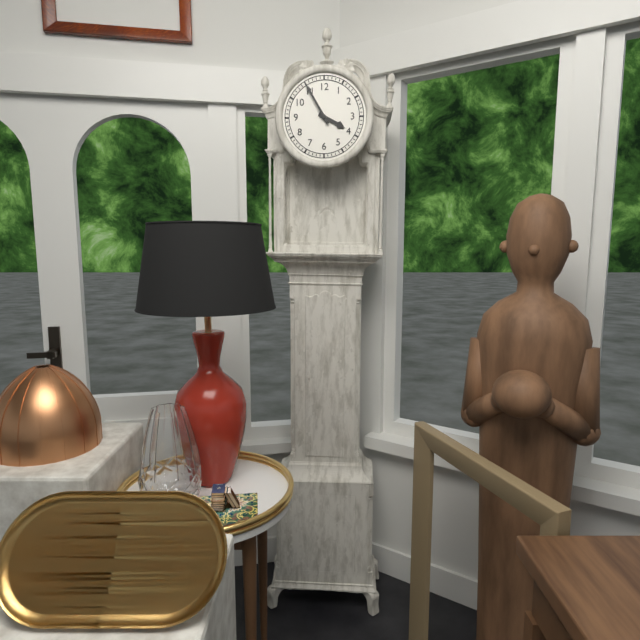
{"hour": 3, "minute": 55}
